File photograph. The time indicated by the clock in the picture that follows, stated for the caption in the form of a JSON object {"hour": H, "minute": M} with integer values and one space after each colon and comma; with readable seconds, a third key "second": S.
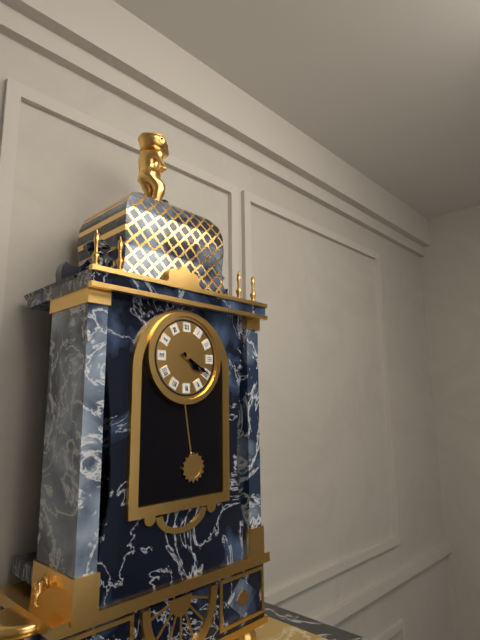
{"hour": 4, "minute": 20}
